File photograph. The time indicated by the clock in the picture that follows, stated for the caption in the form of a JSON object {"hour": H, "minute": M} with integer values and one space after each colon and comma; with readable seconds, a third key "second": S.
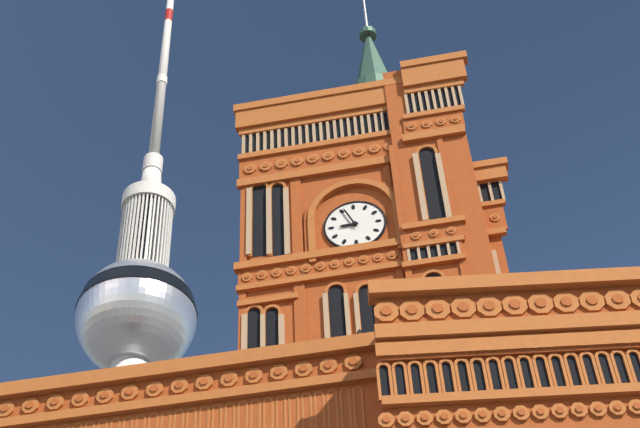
{"hour": 8, "minute": 56}
